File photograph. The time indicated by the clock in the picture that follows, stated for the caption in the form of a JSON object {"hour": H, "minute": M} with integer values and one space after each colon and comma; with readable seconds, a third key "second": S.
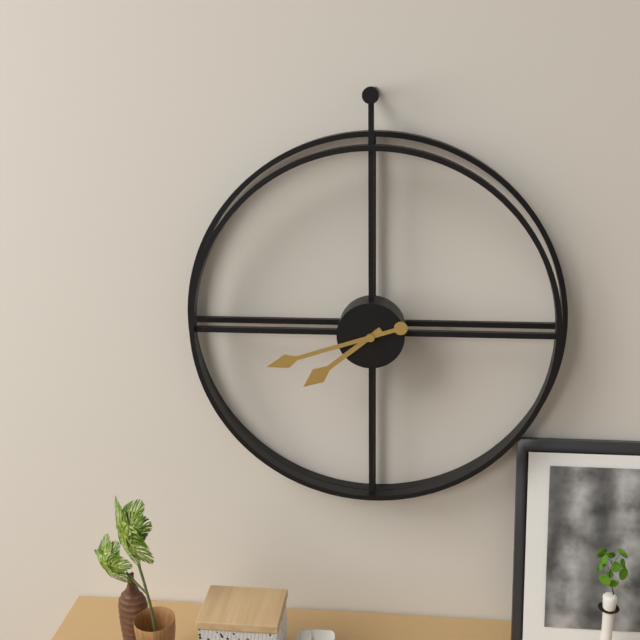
{"hour": 7, "minute": 42}
